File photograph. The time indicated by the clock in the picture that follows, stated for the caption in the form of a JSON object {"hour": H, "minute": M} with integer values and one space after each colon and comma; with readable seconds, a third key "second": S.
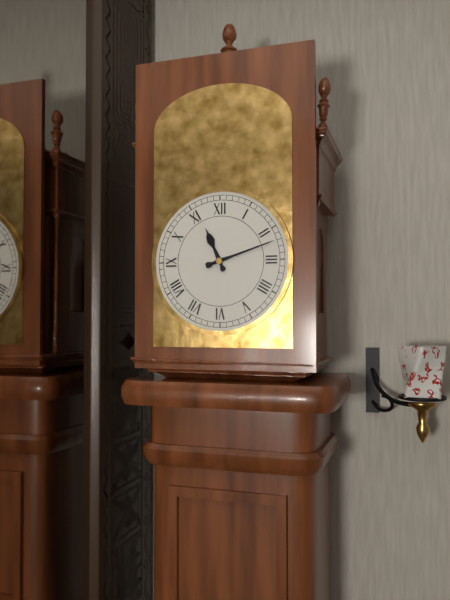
{"hour": 11, "minute": 12}
